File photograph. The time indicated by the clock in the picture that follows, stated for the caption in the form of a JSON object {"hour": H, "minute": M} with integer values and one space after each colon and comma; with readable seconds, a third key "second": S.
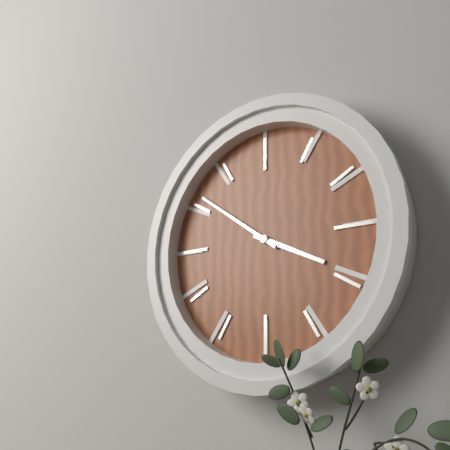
{"hour": 3, "minute": 51}
